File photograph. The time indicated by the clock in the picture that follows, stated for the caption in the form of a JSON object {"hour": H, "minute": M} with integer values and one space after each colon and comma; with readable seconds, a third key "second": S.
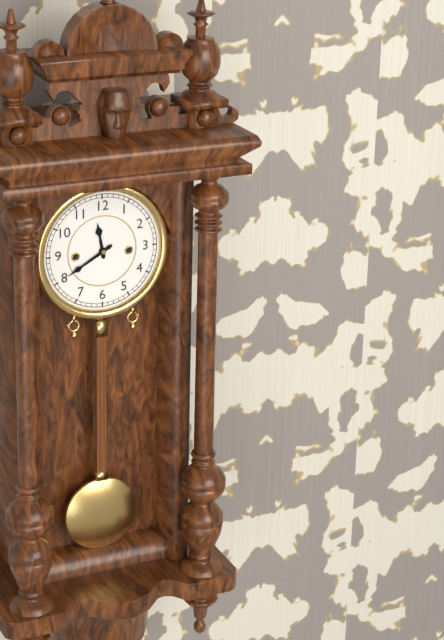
{"hour": 11, "minute": 40}
